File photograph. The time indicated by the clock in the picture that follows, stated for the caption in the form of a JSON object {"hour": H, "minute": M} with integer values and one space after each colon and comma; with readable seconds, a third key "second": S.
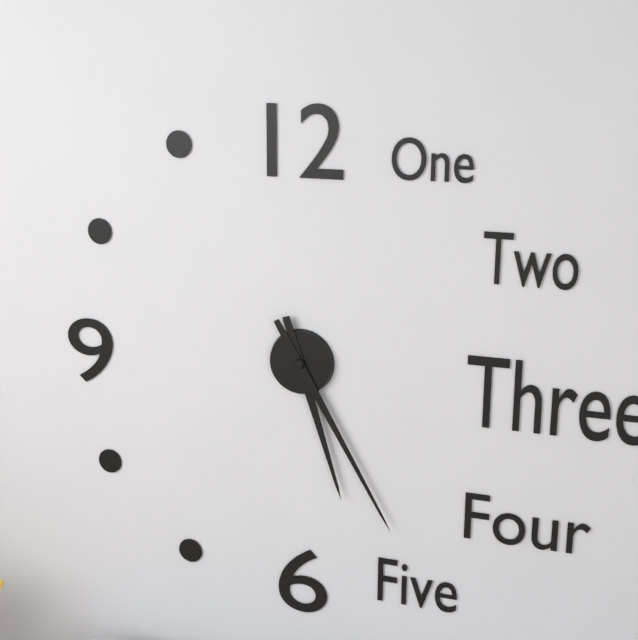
{"hour": 5, "minute": 25}
